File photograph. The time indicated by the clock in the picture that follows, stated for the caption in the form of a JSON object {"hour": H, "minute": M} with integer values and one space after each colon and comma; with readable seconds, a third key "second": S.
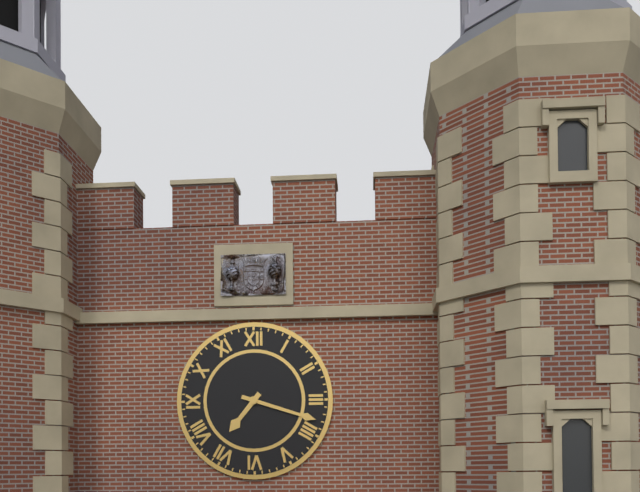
{"hour": 7, "minute": 18}
